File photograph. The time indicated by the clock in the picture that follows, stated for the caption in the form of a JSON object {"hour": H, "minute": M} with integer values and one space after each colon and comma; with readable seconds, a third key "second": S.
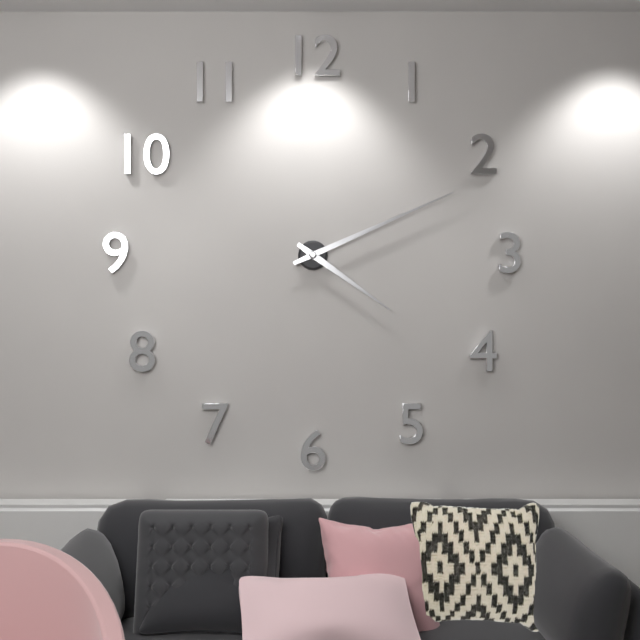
{"hour": 4, "minute": 11}
